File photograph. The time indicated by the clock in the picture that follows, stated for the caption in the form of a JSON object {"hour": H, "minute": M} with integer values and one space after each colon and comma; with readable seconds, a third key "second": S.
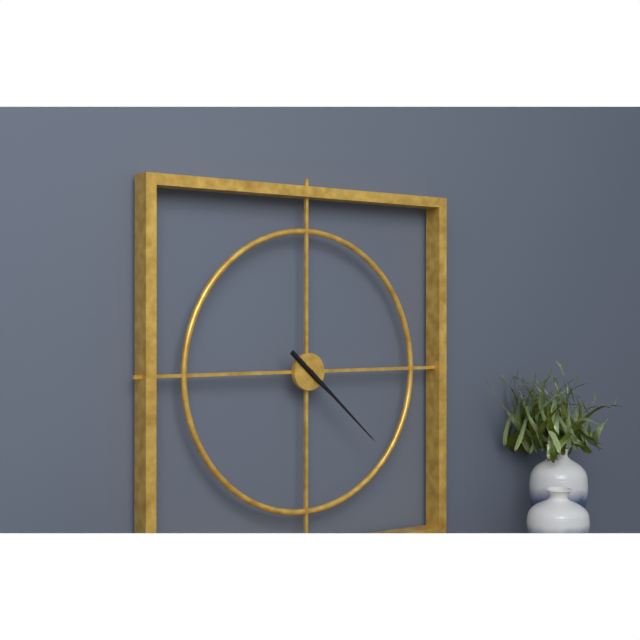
{"hour": 4, "minute": 22}
